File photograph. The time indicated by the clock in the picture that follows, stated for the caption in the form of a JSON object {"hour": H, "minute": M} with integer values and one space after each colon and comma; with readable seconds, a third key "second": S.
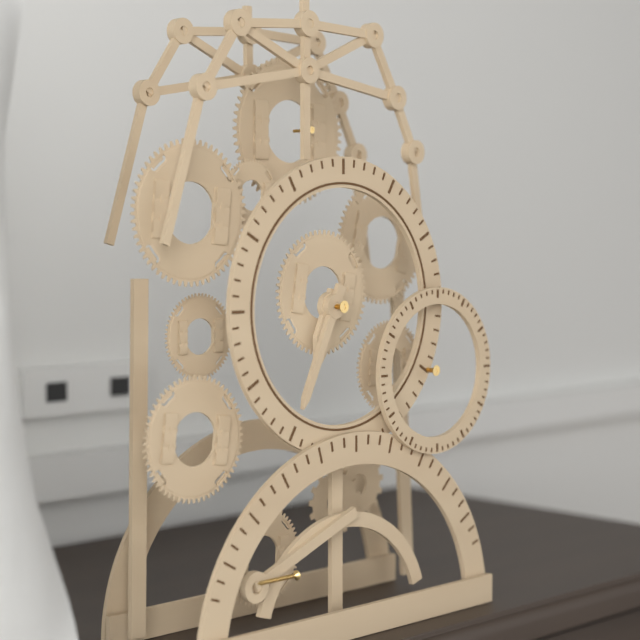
{"hour": 6, "minute": 34}
